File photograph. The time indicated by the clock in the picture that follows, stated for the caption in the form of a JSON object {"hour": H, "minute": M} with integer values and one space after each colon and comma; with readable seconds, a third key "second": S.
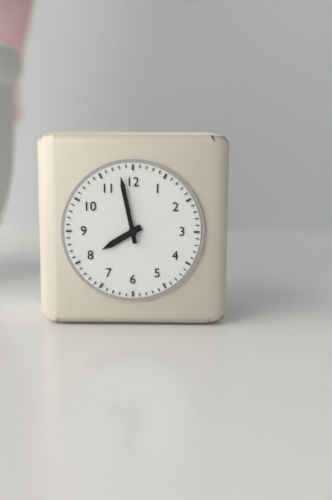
{"hour": 7, "minute": 58}
